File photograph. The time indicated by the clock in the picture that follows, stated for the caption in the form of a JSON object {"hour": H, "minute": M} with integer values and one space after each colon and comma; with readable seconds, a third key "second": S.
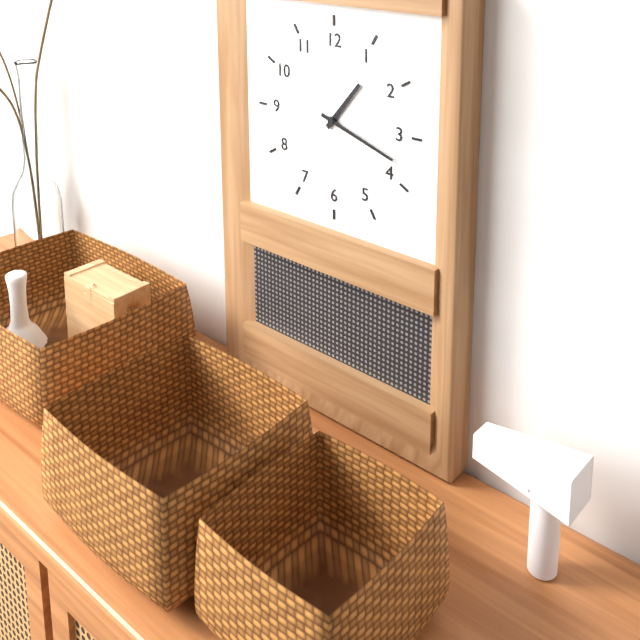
{"hour": 1, "minute": 18}
